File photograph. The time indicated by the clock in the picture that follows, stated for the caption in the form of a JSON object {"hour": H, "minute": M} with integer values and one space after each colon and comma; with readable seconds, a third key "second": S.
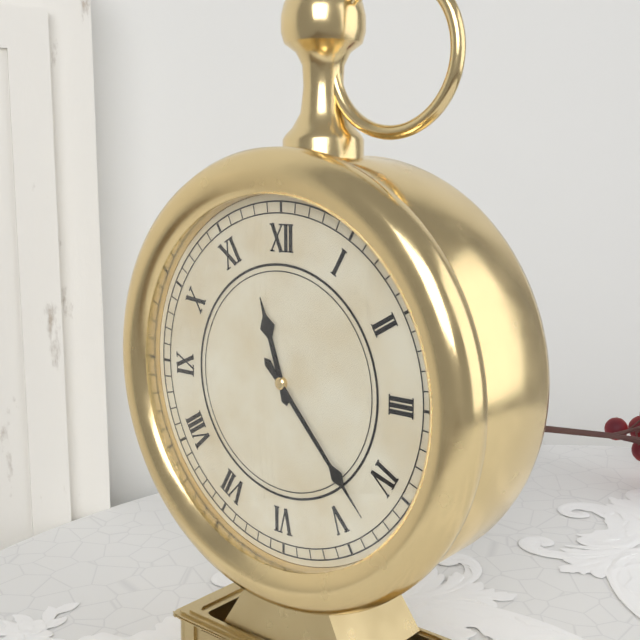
{"hour": 11, "minute": 23}
